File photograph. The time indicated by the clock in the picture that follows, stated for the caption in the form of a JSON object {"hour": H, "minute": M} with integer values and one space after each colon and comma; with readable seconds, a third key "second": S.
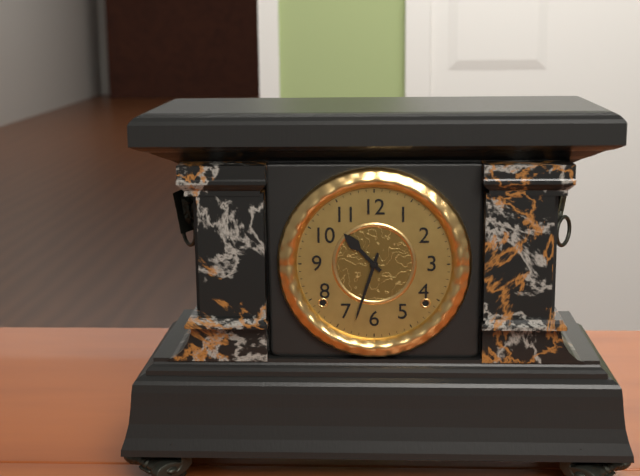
{"hour": 10, "minute": 33}
